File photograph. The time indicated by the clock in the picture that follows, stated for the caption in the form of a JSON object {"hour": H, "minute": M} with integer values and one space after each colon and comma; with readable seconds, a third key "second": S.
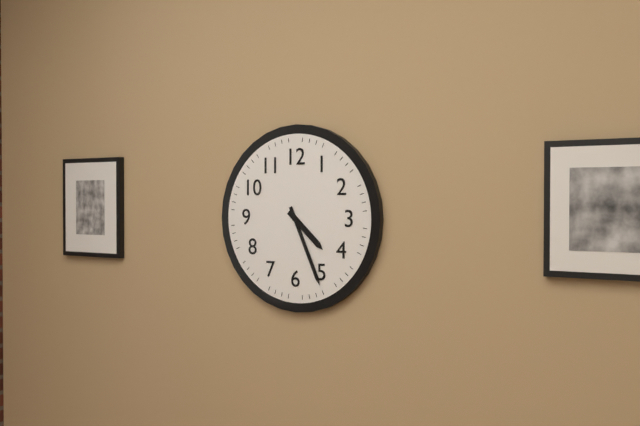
{"hour": 4, "minute": 26}
